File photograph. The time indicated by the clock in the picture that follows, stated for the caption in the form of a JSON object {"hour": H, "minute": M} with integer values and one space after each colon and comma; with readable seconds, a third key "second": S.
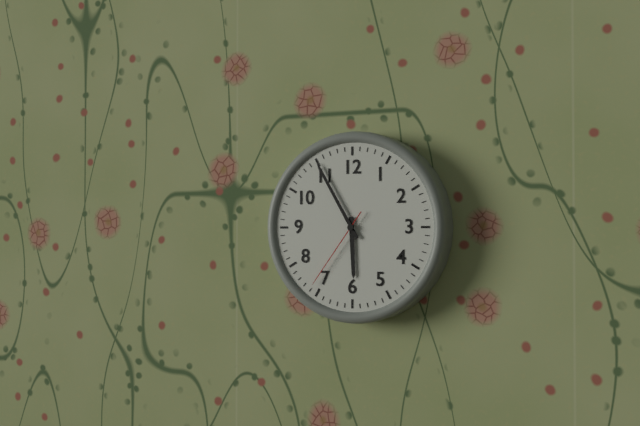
{"hour": 5, "minute": 55, "second": 36}
